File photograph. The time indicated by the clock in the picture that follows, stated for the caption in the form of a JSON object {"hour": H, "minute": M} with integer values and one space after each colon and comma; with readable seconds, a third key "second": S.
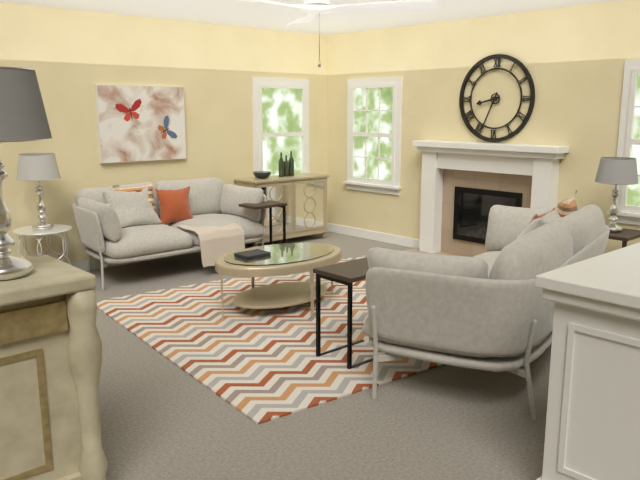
{"hour": 8, "minute": 34}
